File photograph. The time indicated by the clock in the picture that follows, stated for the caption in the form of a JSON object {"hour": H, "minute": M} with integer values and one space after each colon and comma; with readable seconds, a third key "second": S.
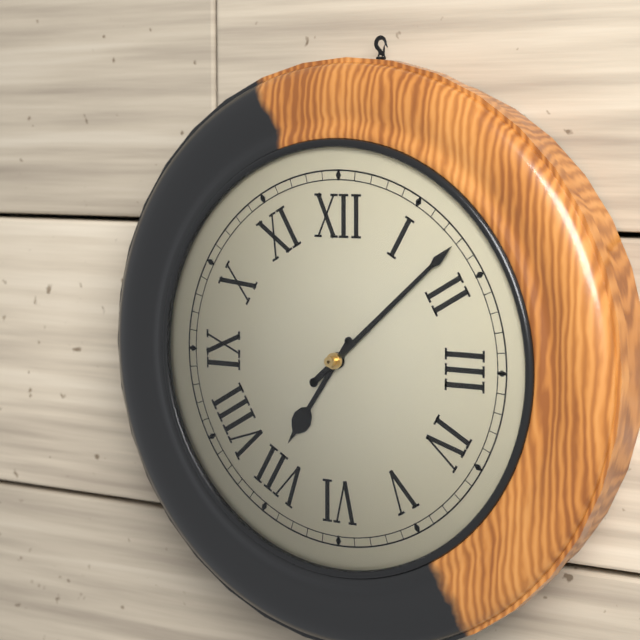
{"hour": 7, "minute": 8}
